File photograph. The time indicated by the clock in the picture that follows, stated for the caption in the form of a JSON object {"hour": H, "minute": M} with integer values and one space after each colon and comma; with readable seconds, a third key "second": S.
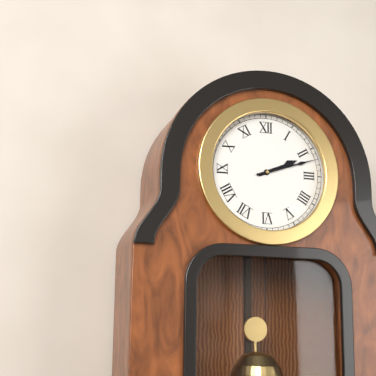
{"hour": 2, "minute": 12}
